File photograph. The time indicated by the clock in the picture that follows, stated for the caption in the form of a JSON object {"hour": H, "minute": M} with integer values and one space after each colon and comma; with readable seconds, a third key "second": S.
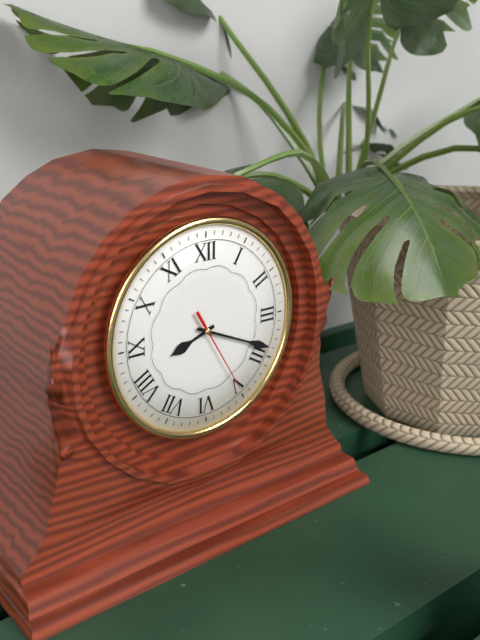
{"hour": 8, "minute": 19, "second": 25}
